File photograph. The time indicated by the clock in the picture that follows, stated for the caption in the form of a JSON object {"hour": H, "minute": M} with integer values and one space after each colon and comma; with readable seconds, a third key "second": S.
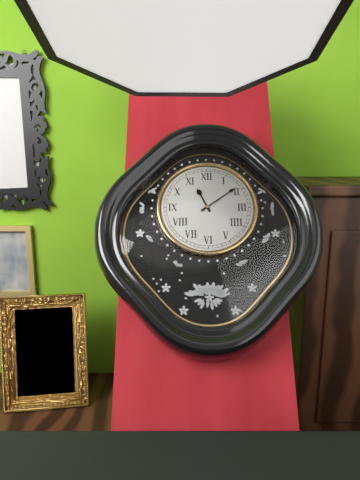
{"hour": 11, "minute": 9}
